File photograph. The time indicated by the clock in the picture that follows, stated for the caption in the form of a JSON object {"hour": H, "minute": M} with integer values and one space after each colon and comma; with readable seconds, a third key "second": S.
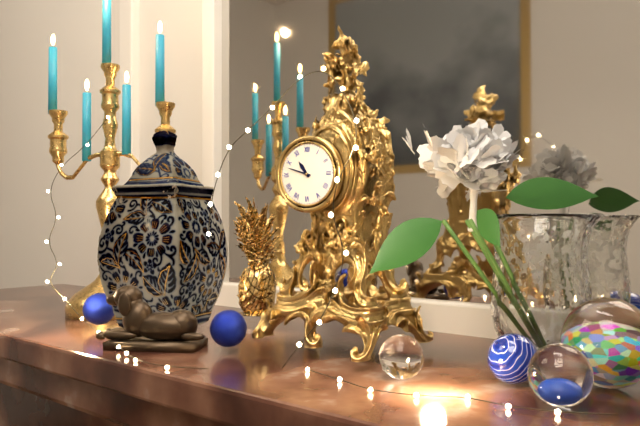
{"hour": 10, "minute": 48}
